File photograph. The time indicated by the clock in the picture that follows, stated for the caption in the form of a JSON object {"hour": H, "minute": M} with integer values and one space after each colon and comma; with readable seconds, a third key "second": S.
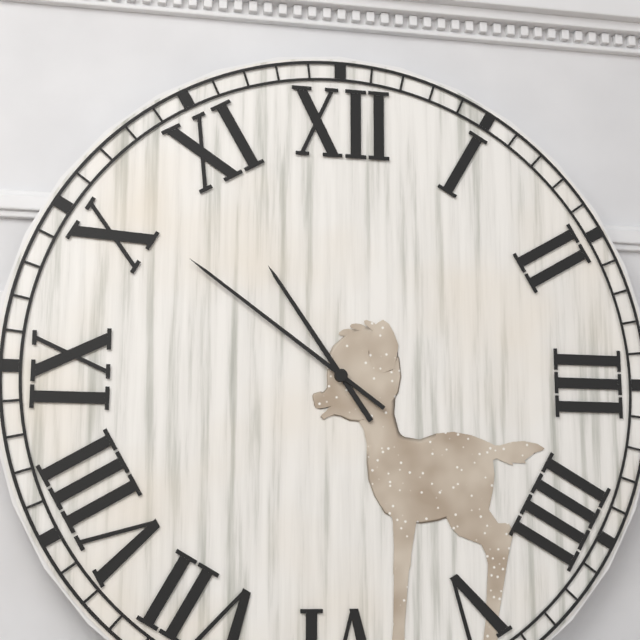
{"hour": 10, "minute": 51}
